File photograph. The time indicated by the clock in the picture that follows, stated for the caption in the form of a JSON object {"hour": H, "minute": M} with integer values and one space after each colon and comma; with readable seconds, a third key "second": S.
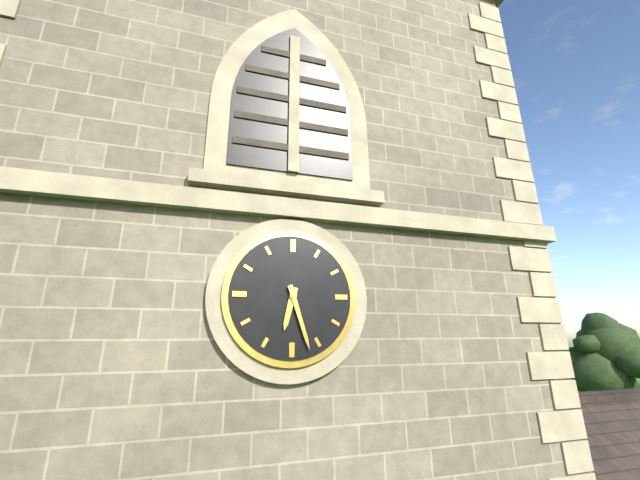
{"hour": 6, "minute": 27}
